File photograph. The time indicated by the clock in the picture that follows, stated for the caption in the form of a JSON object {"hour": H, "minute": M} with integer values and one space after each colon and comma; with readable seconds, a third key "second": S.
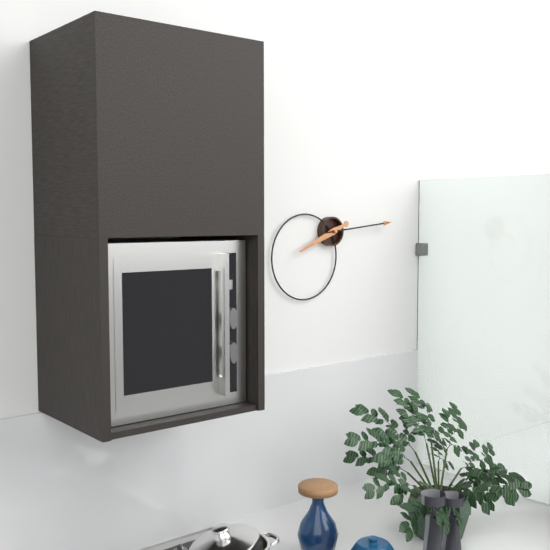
{"hour": 8, "minute": 14}
